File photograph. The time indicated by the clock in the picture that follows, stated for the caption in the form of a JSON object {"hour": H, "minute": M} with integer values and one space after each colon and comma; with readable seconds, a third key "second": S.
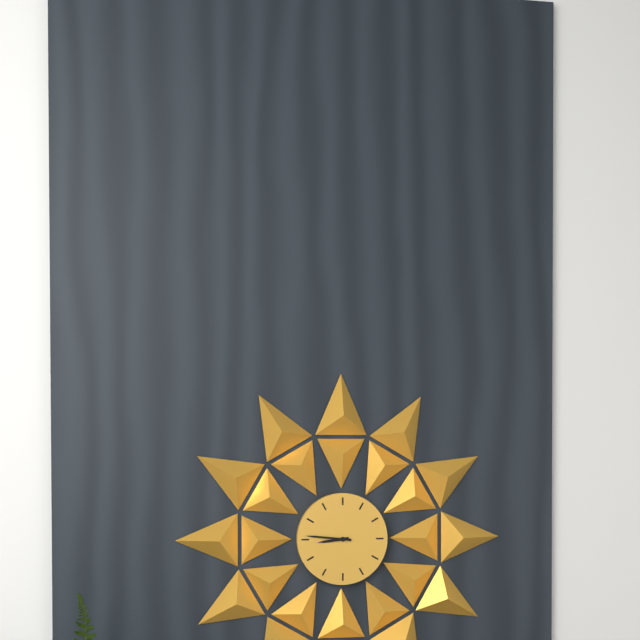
{"hour": 8, "minute": 46}
